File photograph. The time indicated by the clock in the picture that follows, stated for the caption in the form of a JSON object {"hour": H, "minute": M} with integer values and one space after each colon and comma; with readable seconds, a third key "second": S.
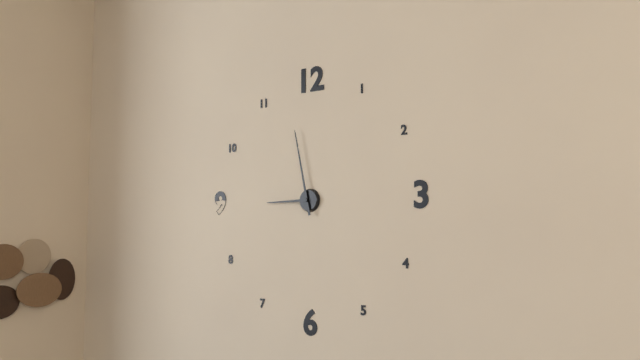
{"hour": 8, "minute": 58}
